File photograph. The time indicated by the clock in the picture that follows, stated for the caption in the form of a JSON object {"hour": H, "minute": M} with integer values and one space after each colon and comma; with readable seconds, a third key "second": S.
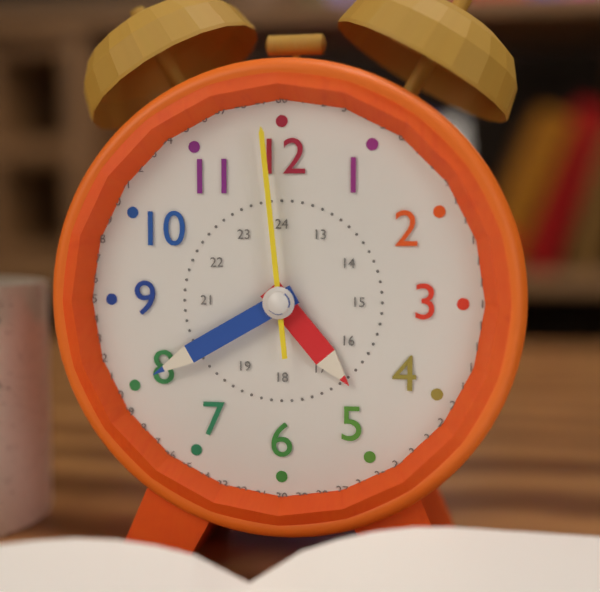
{"hour": 4, "minute": 40, "second": 59}
